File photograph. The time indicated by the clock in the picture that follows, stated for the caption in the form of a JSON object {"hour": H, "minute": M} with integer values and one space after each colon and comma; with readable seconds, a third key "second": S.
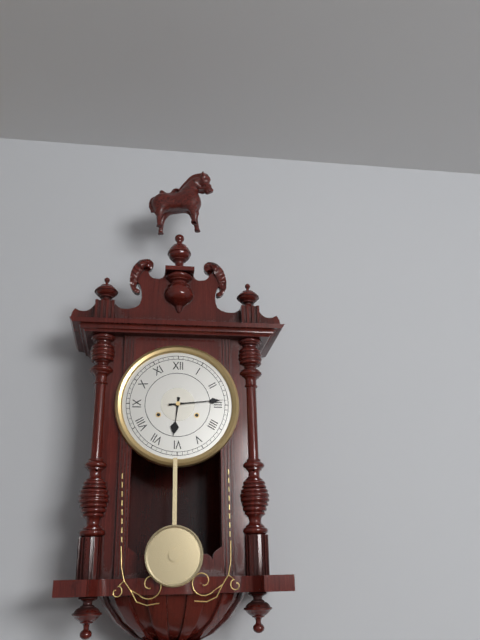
{"hour": 6, "minute": 14}
